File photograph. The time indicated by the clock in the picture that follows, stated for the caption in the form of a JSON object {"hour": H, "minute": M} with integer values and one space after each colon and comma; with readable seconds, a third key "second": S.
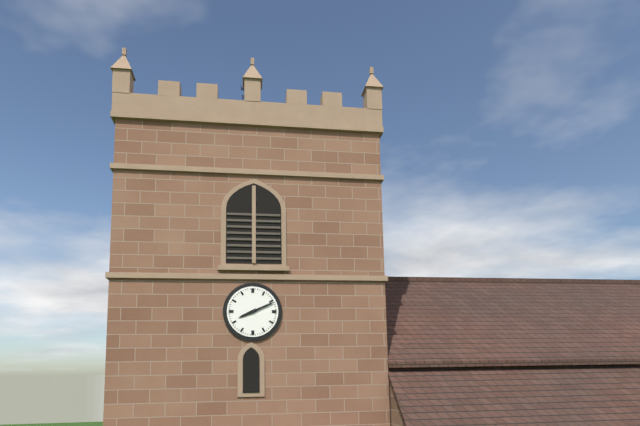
{"hour": 8, "minute": 11}
